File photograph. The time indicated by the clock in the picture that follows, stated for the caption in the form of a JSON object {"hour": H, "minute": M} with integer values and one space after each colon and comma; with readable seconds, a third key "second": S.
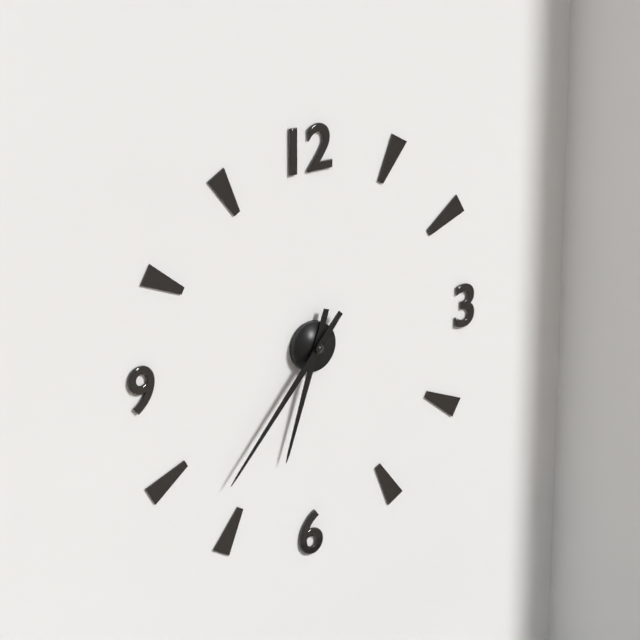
{"hour": 6, "minute": 37}
